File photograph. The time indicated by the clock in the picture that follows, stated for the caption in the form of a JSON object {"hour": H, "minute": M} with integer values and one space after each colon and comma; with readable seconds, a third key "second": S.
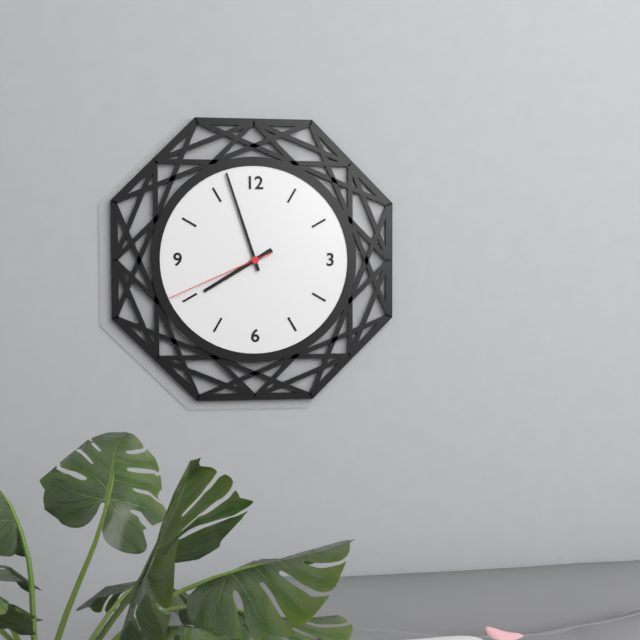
{"hour": 7, "minute": 57, "second": 41}
